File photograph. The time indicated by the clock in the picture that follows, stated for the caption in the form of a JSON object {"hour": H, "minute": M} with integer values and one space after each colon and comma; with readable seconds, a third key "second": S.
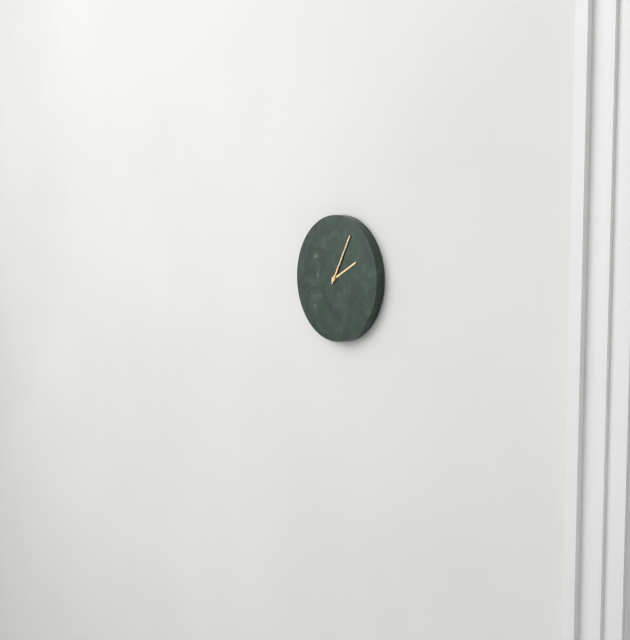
{"hour": 2, "minute": 5}
